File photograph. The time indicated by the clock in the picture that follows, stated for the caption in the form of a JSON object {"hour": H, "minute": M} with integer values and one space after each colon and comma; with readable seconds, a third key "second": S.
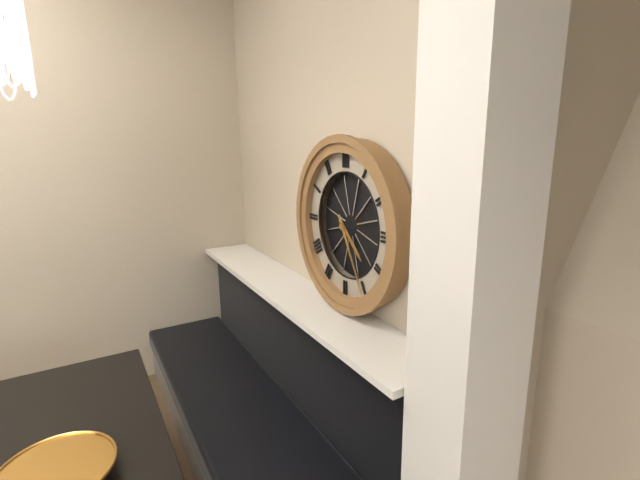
{"hour": 4, "minute": 25}
